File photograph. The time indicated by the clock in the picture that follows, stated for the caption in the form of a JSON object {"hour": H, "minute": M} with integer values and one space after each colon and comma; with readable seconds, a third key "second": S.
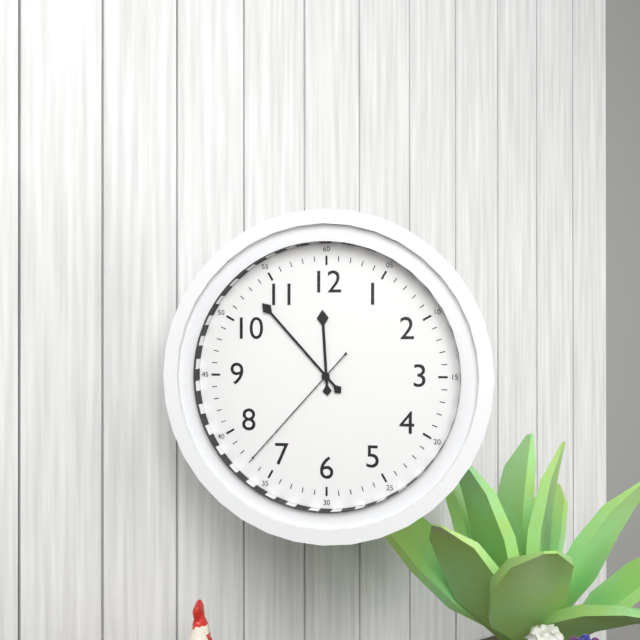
{"hour": 11, "minute": 53, "second": 37}
